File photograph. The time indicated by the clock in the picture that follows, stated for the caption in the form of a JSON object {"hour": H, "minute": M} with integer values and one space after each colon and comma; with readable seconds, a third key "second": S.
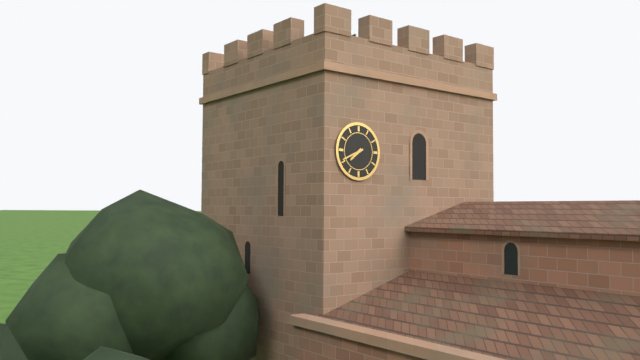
{"hour": 7, "minute": 41}
